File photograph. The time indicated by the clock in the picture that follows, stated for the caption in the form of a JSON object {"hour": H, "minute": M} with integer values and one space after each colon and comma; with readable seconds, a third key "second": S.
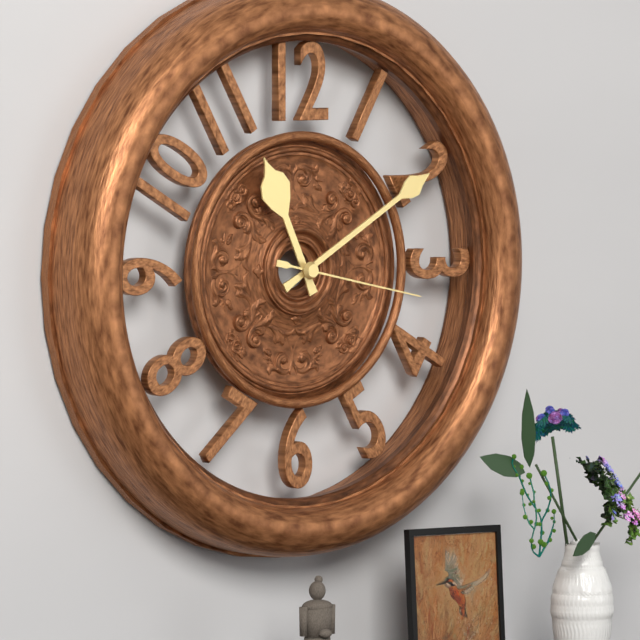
{"hour": 11, "minute": 10, "second": 17}
